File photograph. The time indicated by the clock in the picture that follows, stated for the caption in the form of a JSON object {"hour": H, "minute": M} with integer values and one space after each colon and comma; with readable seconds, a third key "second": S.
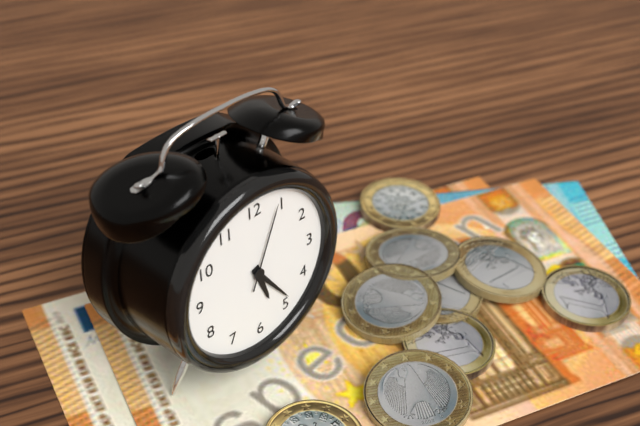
{"hour": 5, "minute": 24, "second": 4}
